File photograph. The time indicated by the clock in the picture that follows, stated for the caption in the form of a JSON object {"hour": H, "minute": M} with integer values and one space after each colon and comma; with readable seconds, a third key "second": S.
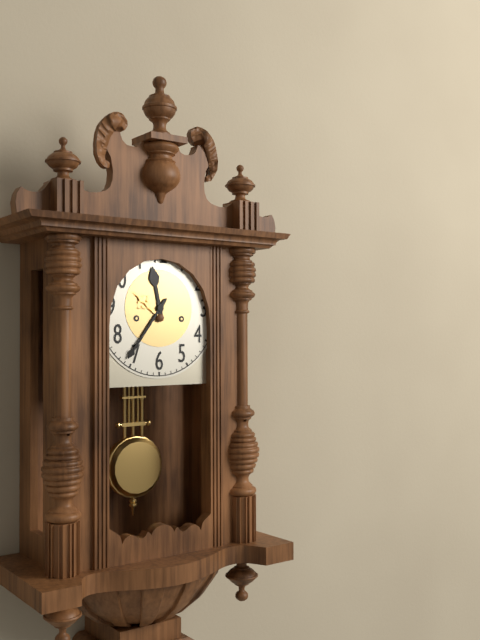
{"hour": 11, "minute": 36}
